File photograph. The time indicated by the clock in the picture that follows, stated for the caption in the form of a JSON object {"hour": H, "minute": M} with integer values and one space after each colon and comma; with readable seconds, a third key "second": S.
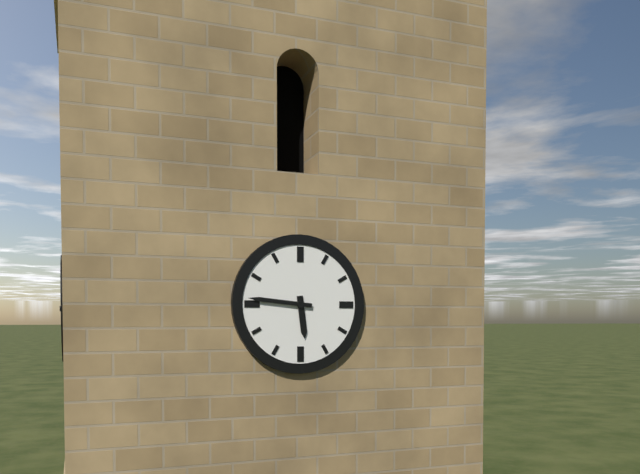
{"hour": 5, "minute": 46}
